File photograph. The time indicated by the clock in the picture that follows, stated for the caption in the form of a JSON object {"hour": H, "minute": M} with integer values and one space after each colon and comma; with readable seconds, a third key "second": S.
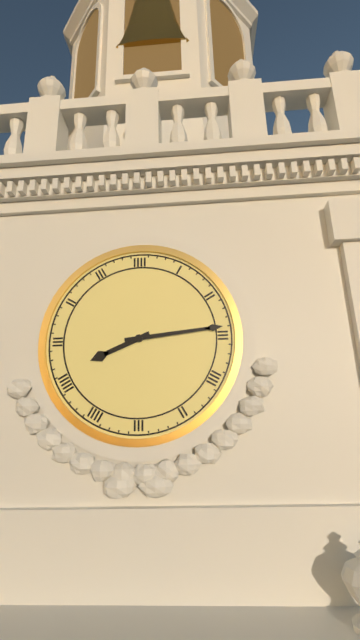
{"hour": 8, "minute": 14}
